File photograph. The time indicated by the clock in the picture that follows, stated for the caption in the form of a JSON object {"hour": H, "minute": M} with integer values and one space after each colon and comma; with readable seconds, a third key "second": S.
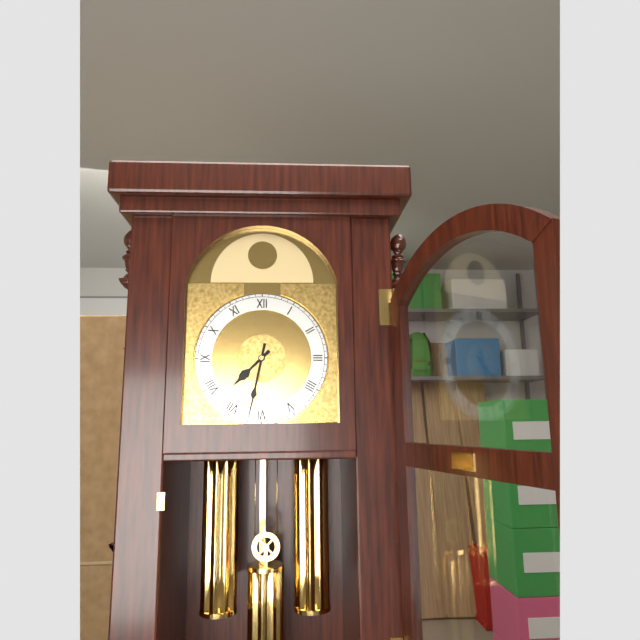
{"hour": 7, "minute": 32}
